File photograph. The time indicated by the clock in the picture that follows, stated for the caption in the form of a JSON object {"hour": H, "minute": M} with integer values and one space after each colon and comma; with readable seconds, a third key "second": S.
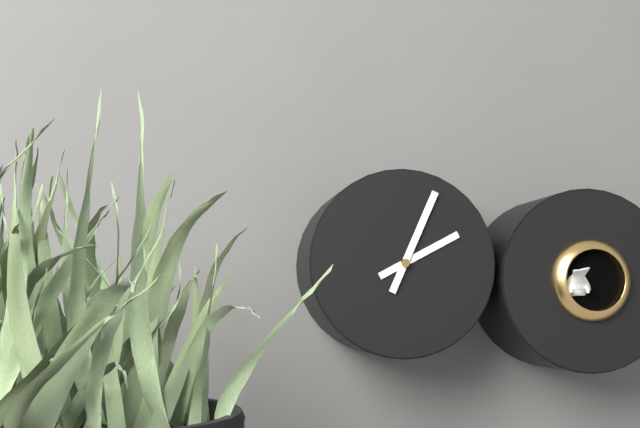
{"hour": 2, "minute": 4}
